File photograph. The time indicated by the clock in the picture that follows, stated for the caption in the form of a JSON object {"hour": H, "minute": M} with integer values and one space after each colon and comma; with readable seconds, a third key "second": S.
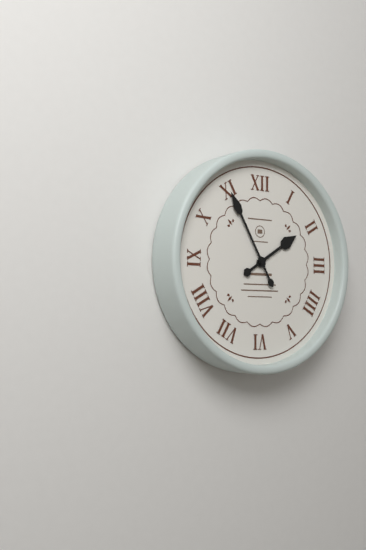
{"hour": 1, "minute": 55}
